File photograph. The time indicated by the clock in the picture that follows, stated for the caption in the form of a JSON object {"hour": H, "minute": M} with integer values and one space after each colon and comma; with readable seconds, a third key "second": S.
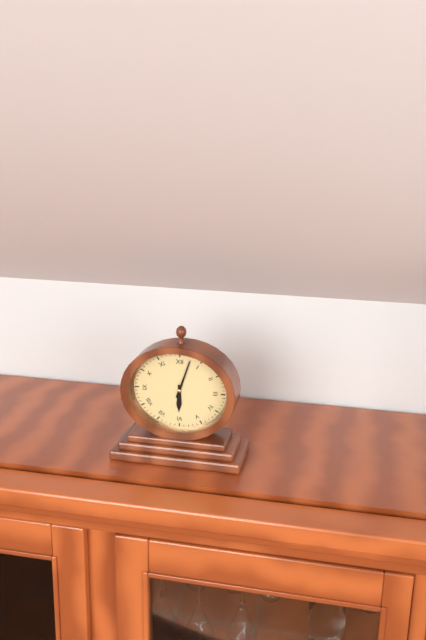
{"hour": 6, "minute": 3}
